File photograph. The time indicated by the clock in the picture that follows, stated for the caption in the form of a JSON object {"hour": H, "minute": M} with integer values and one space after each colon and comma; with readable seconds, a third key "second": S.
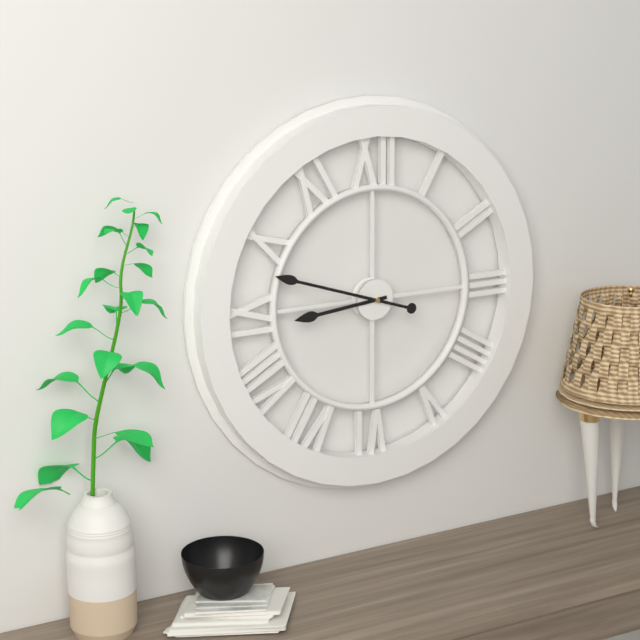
{"hour": 8, "minute": 48}
